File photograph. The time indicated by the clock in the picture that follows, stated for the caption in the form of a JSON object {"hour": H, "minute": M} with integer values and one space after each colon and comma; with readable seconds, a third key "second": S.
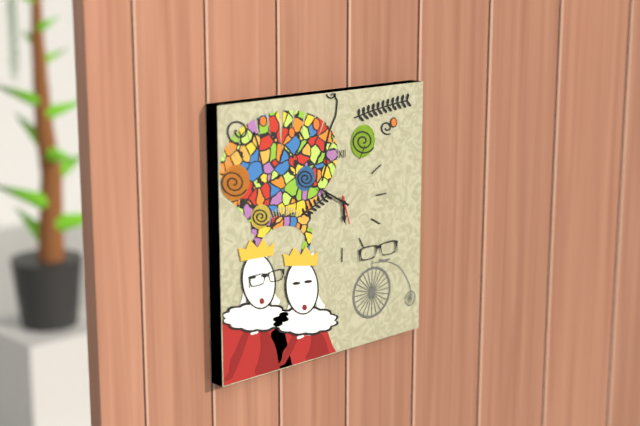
{"hour": 5, "minute": 50}
